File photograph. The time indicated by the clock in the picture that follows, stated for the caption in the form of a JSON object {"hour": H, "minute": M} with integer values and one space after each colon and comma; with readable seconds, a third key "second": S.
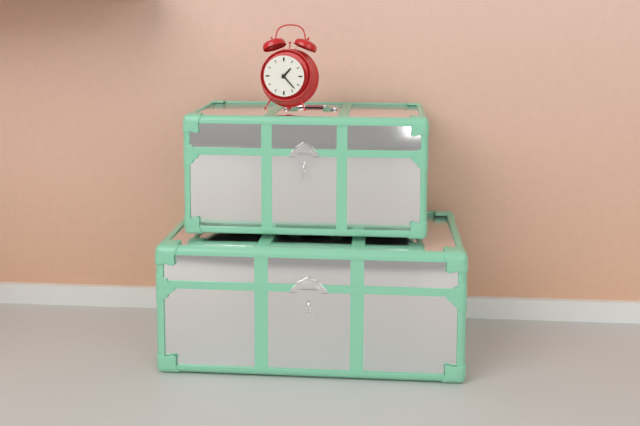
{"hour": 1, "minute": 23}
